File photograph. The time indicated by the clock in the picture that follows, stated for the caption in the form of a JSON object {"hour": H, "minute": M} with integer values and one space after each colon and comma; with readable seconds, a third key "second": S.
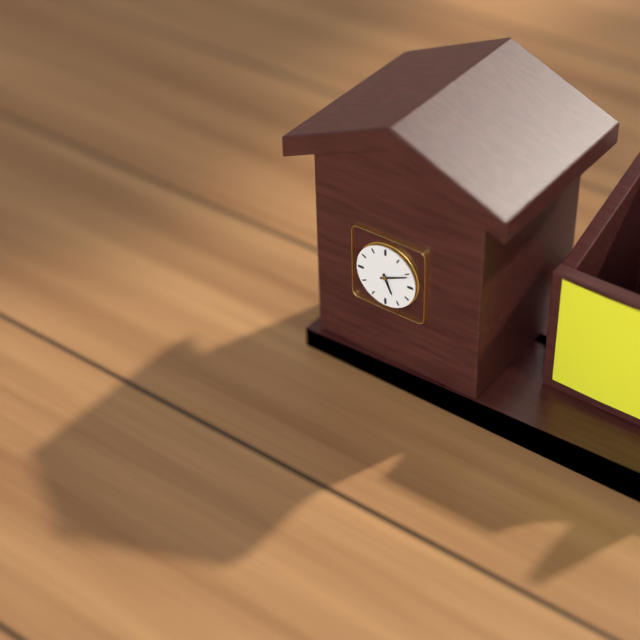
{"hour": 5, "minute": 11}
